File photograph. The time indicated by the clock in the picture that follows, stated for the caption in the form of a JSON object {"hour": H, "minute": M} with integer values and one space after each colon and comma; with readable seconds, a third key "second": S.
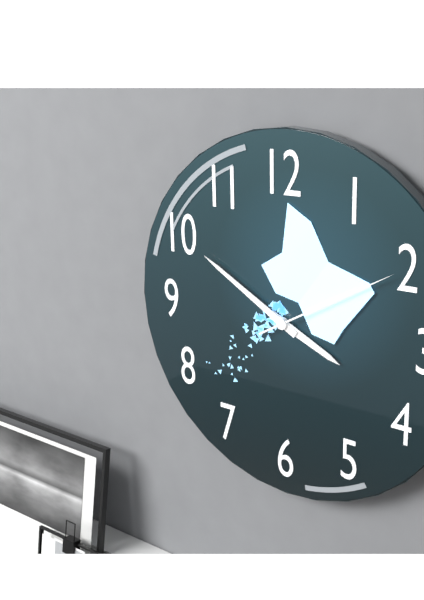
{"hour": 3, "minute": 50, "second": 10}
